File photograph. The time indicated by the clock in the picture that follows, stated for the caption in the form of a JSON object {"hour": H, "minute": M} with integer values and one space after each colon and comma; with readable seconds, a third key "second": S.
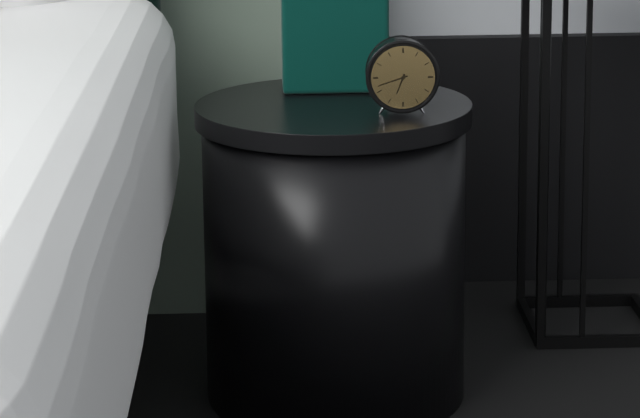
{"hour": 6, "minute": 42}
